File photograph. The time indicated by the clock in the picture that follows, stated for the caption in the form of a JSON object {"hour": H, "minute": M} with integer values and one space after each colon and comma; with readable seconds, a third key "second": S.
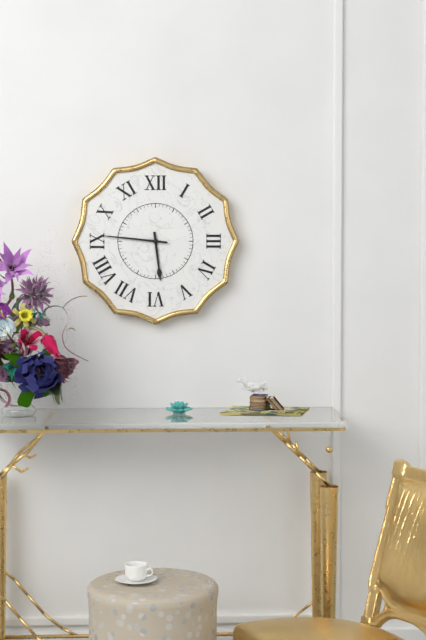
{"hour": 5, "minute": 46}
